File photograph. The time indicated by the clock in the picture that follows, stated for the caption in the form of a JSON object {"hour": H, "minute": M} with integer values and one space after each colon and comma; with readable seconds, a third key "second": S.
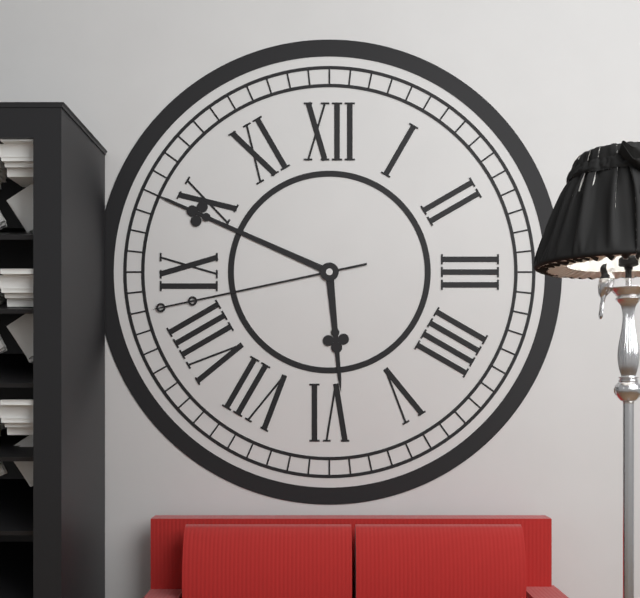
{"hour": 5, "minute": 49, "second": 43}
